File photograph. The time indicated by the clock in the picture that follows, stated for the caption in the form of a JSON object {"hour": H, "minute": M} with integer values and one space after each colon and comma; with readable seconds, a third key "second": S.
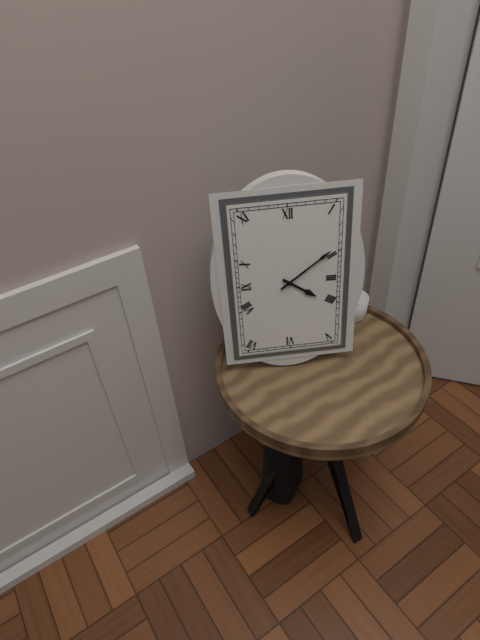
{"hour": 4, "minute": 9}
